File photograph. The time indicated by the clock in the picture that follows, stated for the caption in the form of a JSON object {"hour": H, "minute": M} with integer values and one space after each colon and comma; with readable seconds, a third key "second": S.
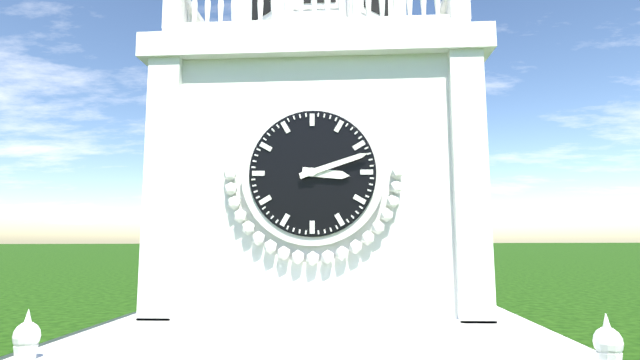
{"hour": 3, "minute": 12}
